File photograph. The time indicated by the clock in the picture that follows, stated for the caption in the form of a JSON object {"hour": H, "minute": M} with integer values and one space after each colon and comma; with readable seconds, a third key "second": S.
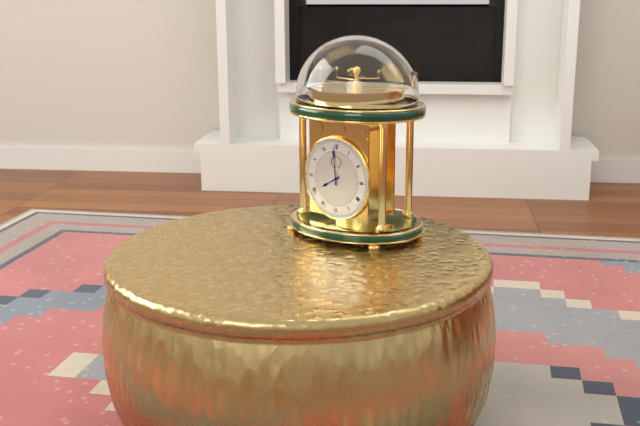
{"hour": 7, "minute": 59}
